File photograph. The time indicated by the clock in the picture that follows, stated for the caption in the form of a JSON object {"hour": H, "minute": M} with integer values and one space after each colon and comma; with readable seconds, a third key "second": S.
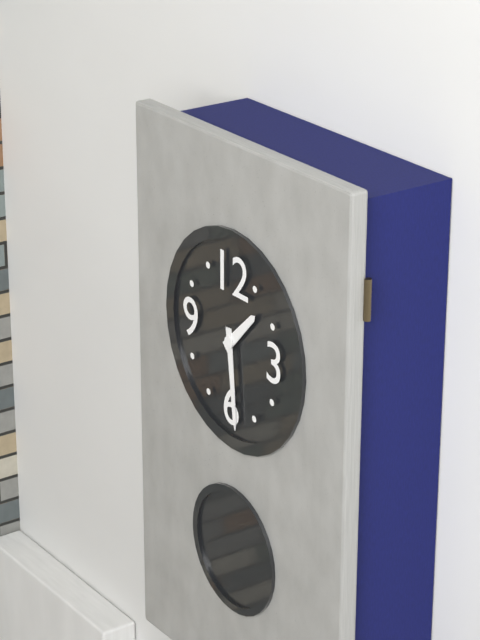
{"hour": 1, "minute": 29}
